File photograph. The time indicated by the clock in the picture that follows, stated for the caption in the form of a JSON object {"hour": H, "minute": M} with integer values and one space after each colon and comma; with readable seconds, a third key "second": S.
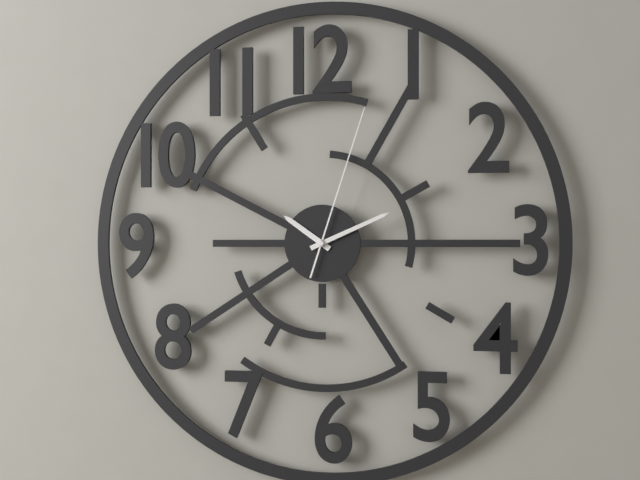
{"hour": 10, "minute": 11, "second": 3}
